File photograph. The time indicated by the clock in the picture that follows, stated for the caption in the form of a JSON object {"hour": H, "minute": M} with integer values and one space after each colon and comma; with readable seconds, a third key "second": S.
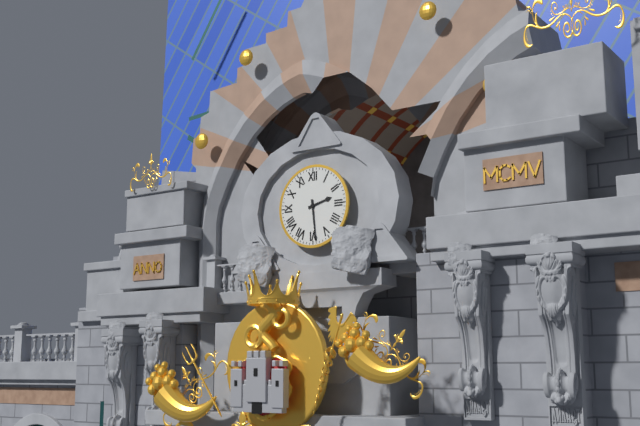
{"hour": 2, "minute": 29}
